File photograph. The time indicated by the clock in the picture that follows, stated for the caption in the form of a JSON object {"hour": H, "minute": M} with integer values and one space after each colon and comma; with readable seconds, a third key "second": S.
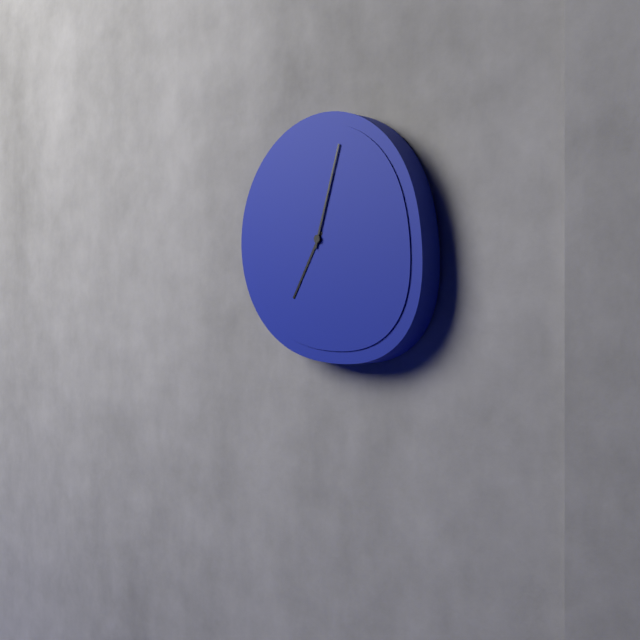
{"hour": 7, "minute": 3}
